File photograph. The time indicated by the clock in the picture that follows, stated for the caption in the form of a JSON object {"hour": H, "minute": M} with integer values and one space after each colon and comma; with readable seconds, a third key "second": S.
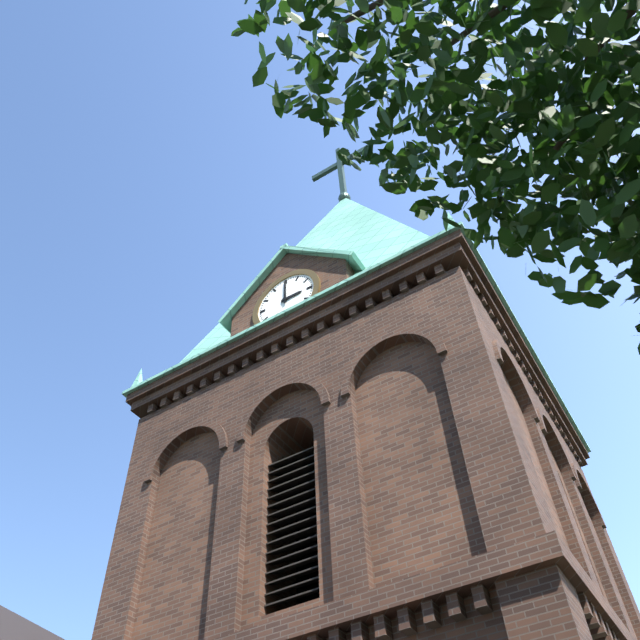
{"hour": 3, "minute": 0}
